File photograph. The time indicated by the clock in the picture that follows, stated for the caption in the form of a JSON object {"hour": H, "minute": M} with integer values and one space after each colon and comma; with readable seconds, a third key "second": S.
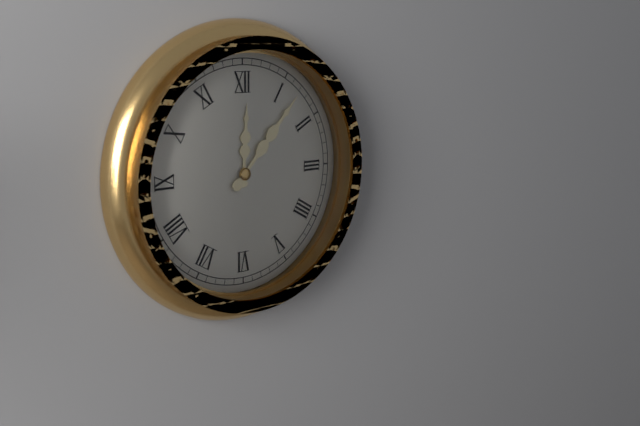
{"hour": 12, "minute": 7}
